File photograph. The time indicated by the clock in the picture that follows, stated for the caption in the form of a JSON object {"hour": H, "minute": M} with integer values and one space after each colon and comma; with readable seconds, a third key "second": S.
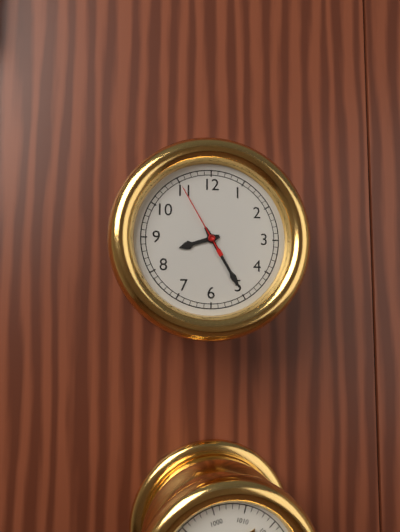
{"hour": 8, "minute": 25, "second": 55}
